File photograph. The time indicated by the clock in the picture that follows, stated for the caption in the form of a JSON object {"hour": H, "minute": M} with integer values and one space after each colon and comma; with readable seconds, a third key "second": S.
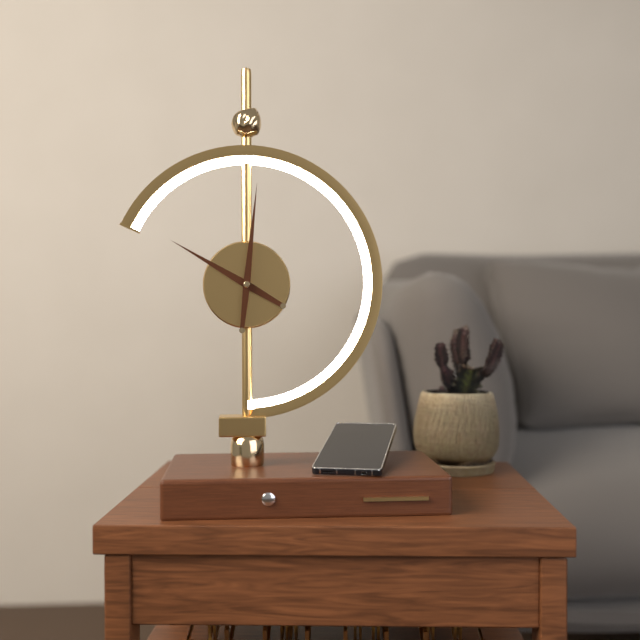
{"hour": 10, "minute": 1}
